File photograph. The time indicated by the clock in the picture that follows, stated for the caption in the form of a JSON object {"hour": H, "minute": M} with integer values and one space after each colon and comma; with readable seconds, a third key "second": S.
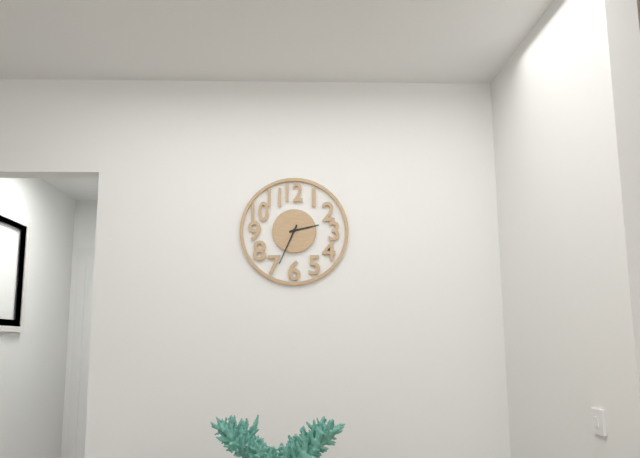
{"hour": 2, "minute": 34}
